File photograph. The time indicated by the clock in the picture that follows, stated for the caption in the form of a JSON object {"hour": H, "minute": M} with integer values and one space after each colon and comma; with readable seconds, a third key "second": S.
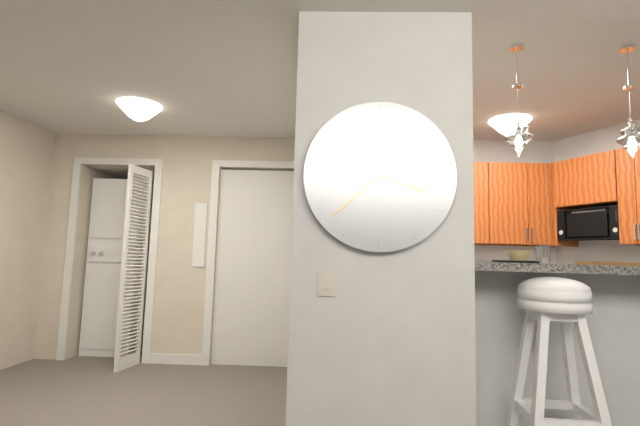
{"hour": 3, "minute": 38}
